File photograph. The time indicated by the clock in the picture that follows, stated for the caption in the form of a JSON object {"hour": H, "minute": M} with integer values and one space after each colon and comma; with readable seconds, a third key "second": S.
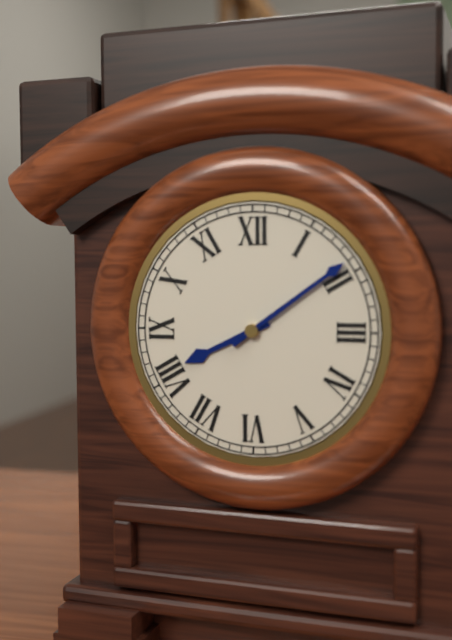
{"hour": 8, "minute": 9}
